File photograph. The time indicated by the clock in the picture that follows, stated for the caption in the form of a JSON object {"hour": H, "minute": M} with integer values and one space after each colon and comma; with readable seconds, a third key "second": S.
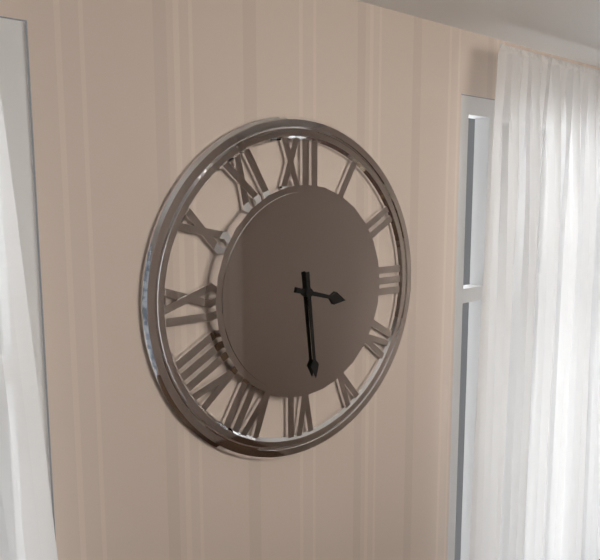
{"hour": 3, "minute": 29}
